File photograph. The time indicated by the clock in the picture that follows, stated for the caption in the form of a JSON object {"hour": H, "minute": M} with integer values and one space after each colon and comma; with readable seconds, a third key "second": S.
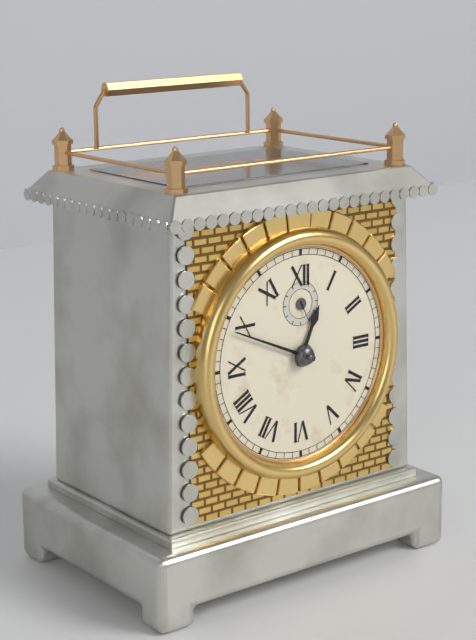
{"hour": 12, "minute": 49}
